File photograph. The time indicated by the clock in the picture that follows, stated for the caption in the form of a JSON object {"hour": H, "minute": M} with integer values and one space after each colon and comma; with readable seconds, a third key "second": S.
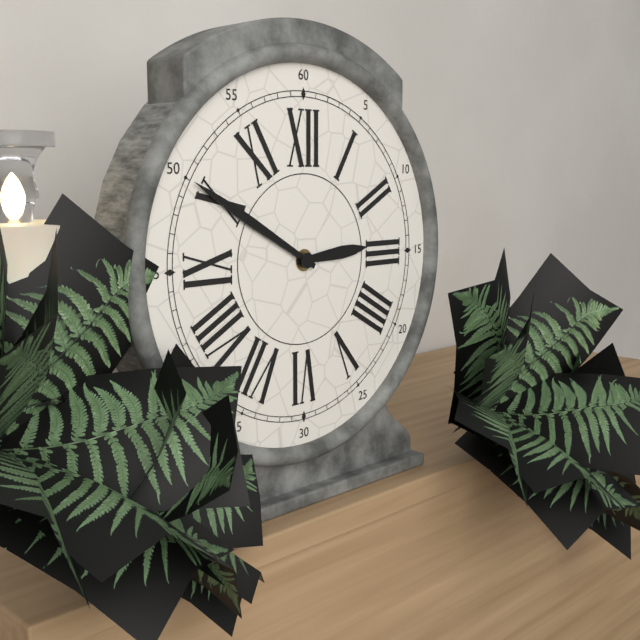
{"hour": 2, "minute": 50}
